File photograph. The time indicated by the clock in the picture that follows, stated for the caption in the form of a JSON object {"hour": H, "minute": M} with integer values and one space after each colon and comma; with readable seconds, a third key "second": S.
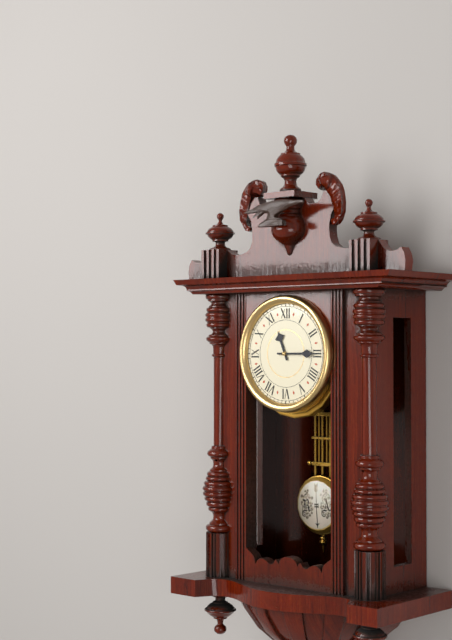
{"hour": 11, "minute": 15}
